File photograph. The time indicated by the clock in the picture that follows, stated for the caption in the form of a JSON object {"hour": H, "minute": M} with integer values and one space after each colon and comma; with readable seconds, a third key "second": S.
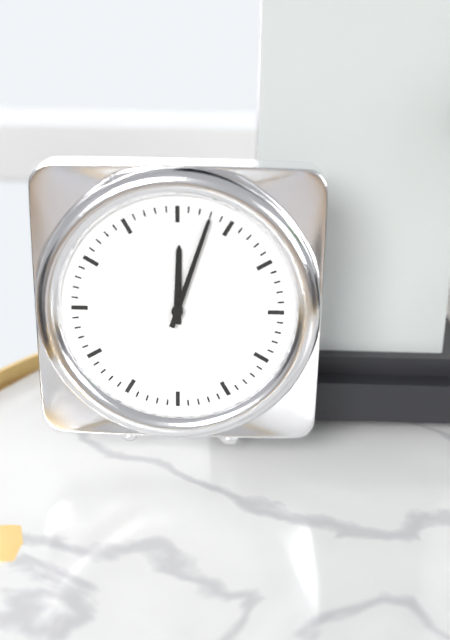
{"hour": 12, "minute": 3}
